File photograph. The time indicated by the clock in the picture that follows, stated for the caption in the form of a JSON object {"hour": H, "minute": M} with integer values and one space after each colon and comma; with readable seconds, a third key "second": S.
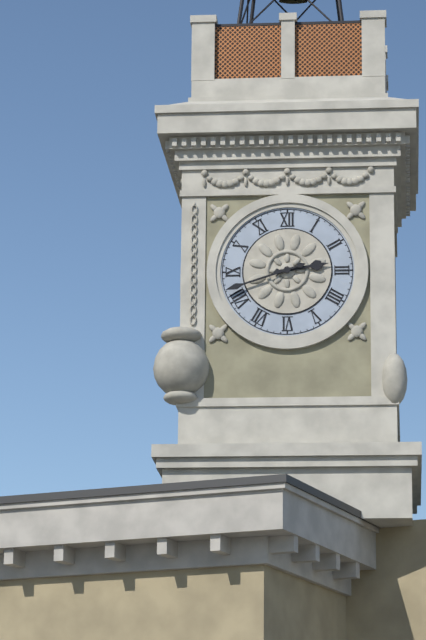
{"hour": 2, "minute": 42}
